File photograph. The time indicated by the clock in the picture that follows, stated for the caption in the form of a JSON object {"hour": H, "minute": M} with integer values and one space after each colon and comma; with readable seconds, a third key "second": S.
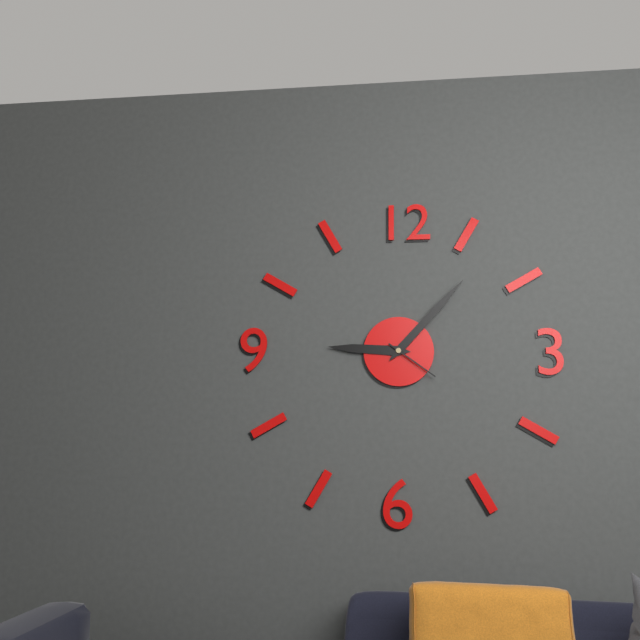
{"hour": 9, "minute": 7, "second": 21}
